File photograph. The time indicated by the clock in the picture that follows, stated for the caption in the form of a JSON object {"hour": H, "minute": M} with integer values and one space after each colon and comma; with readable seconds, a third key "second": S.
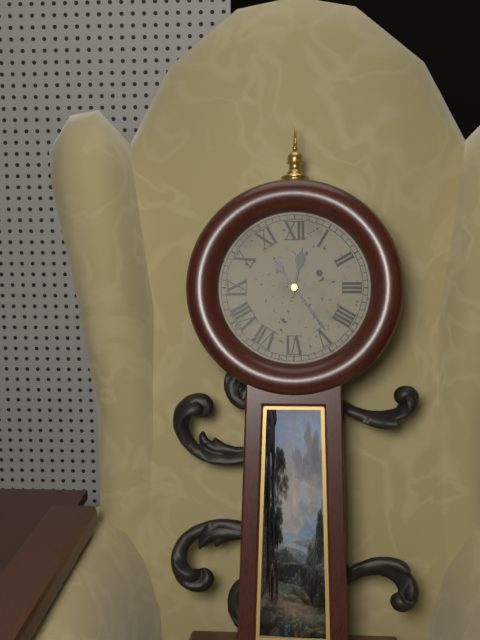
{"hour": 12, "minute": 24}
